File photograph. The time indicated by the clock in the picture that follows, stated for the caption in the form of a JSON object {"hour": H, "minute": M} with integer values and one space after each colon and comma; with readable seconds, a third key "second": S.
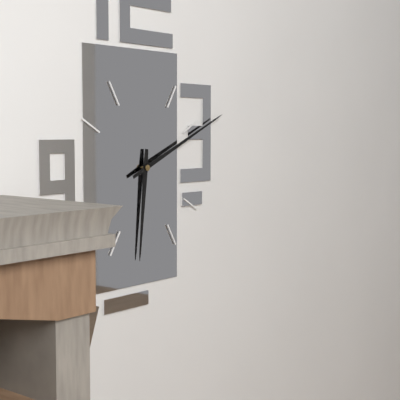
{"hour": 6, "minute": 11}
